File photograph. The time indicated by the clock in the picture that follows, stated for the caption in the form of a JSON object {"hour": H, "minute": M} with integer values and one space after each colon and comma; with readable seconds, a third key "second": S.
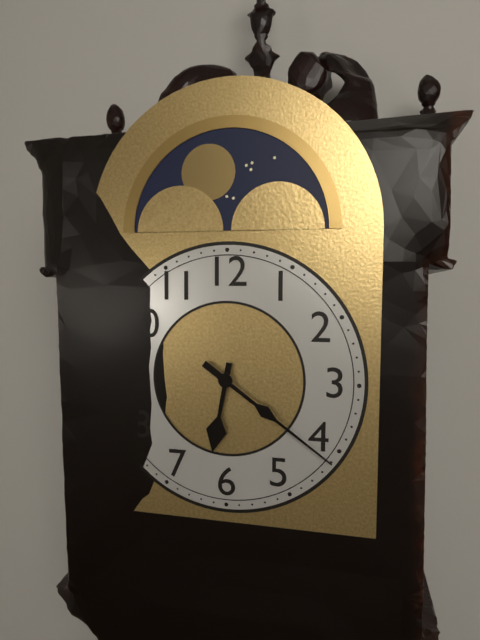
{"hour": 6, "minute": 21}
